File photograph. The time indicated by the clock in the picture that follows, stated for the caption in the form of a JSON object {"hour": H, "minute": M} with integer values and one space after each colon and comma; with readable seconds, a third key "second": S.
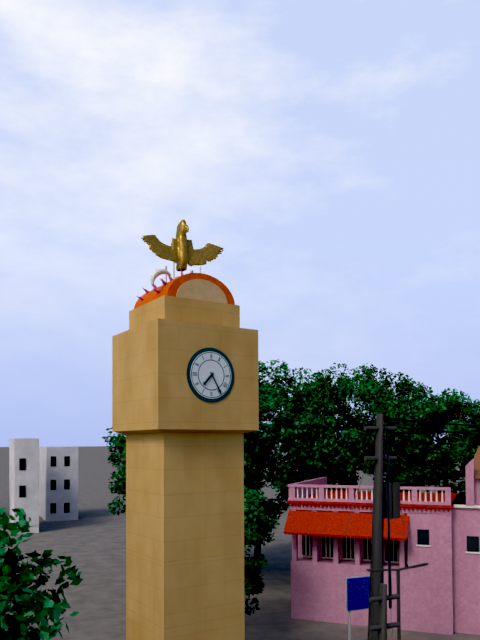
{"hour": 7, "minute": 25}
